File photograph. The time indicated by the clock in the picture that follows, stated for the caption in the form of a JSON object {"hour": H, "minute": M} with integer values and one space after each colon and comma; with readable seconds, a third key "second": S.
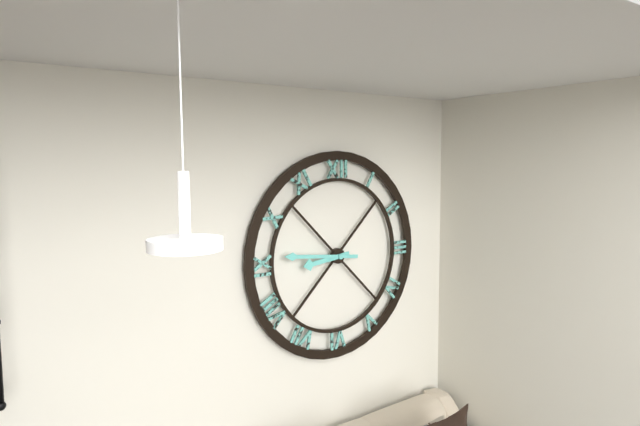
{"hour": 8, "minute": 46}
